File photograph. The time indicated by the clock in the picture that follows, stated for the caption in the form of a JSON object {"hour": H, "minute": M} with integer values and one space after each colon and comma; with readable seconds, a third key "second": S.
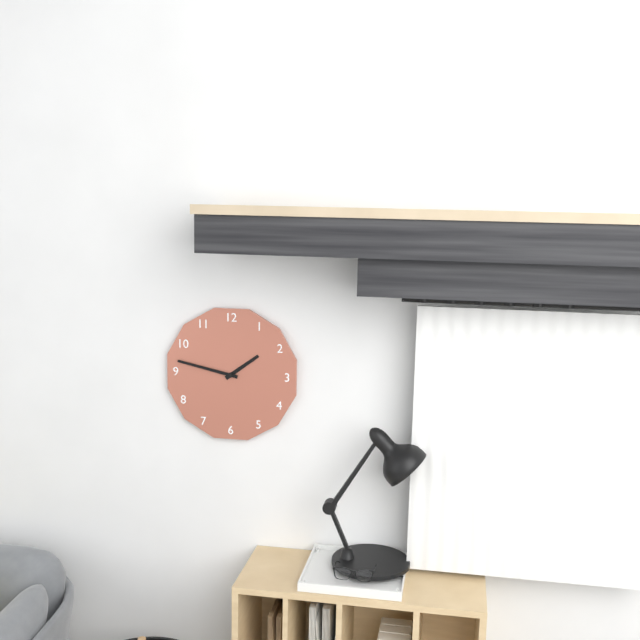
{"hour": 1, "minute": 47}
